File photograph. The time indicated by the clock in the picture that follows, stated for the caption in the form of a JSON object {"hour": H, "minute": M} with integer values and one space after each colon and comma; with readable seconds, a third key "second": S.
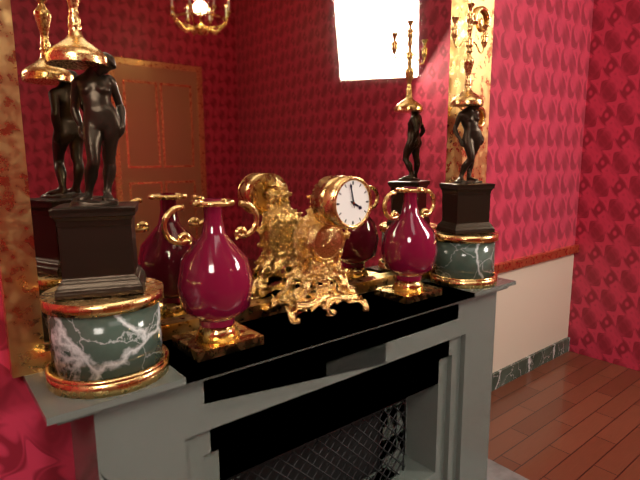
{"hour": 3, "minute": 58}
